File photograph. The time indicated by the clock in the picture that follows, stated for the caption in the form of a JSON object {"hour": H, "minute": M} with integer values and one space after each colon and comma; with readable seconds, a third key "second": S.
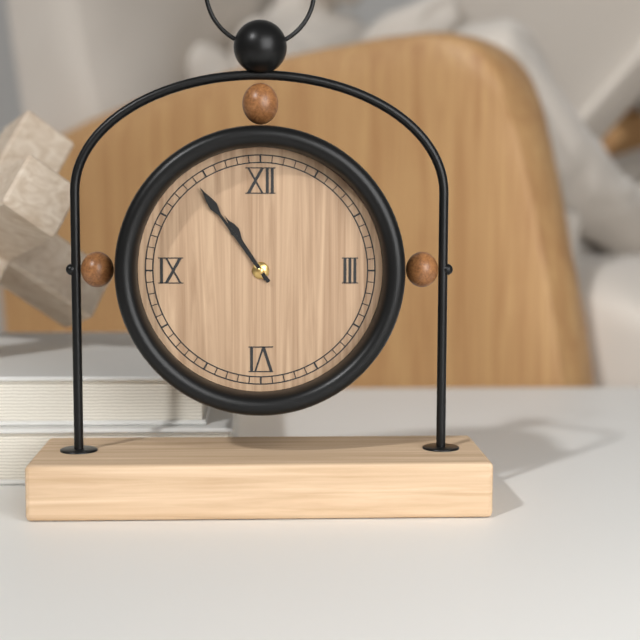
{"hour": 10, "minute": 54}
